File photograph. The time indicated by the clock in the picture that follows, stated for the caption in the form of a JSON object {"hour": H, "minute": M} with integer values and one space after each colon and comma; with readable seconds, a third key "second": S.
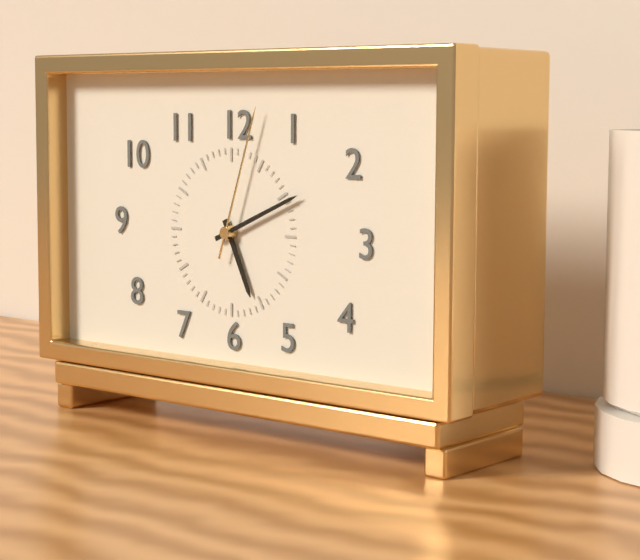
{"hour": 5, "minute": 11, "second": 3}
